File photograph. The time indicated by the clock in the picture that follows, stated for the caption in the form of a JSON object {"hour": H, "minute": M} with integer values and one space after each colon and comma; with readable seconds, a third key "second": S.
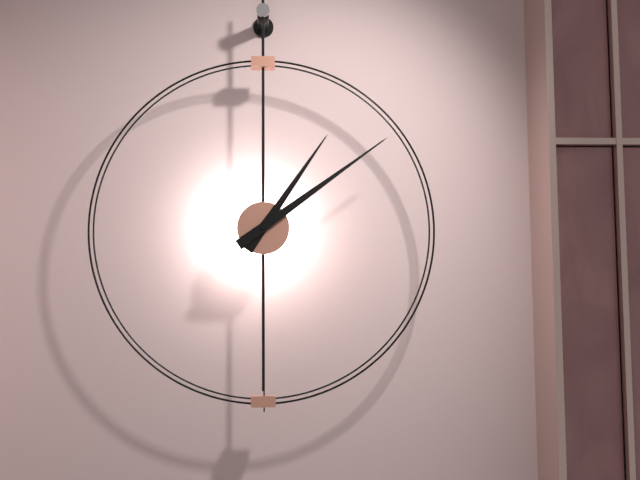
{"hour": 1, "minute": 9}
